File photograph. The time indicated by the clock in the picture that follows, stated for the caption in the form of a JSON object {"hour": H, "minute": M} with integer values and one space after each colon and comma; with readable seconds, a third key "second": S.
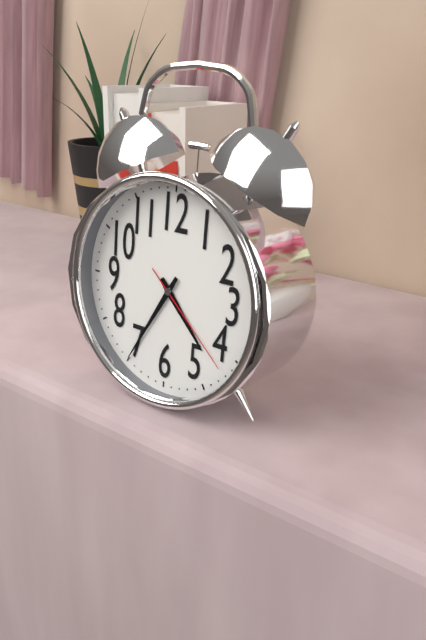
{"hour": 4, "minute": 35, "second": 22}
